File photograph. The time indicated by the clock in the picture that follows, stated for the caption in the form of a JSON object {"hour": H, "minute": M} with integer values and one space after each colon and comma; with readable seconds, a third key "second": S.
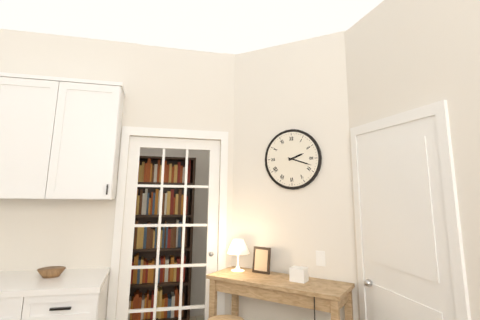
{"hour": 2, "minute": 18}
